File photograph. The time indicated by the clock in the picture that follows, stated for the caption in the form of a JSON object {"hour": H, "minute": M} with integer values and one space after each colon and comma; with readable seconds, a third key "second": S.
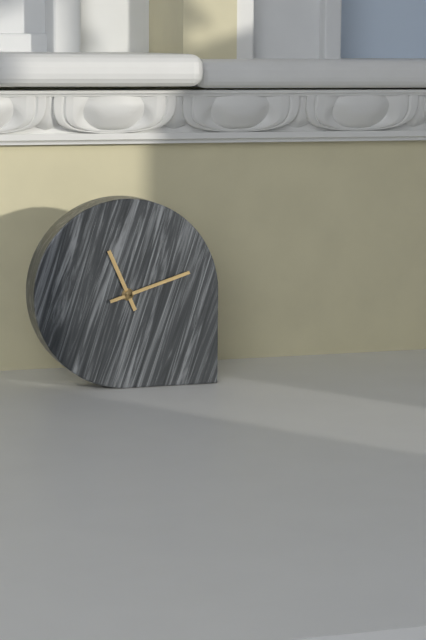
{"hour": 11, "minute": 12}
